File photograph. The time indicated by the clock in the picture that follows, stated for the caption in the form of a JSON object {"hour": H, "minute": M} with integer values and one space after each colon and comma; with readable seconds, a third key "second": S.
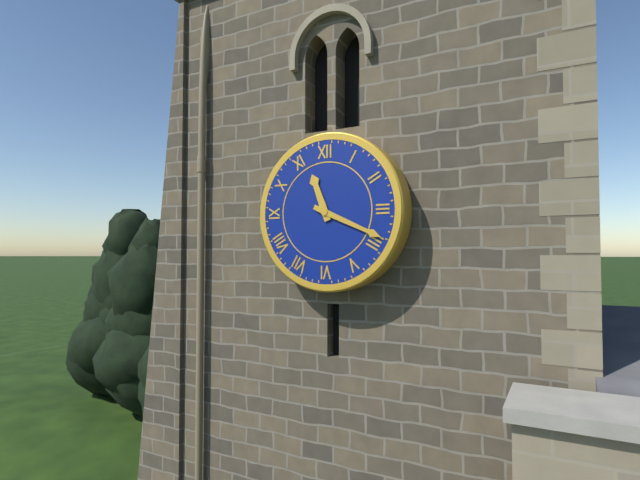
{"hour": 11, "minute": 19}
